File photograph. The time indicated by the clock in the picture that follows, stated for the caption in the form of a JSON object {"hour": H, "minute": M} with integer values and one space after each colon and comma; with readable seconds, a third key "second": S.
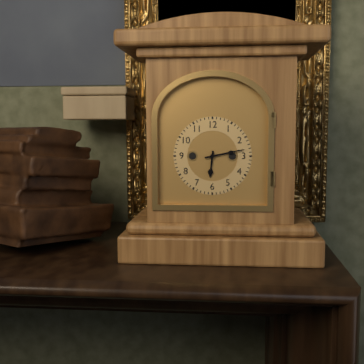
{"hour": 6, "minute": 13}
